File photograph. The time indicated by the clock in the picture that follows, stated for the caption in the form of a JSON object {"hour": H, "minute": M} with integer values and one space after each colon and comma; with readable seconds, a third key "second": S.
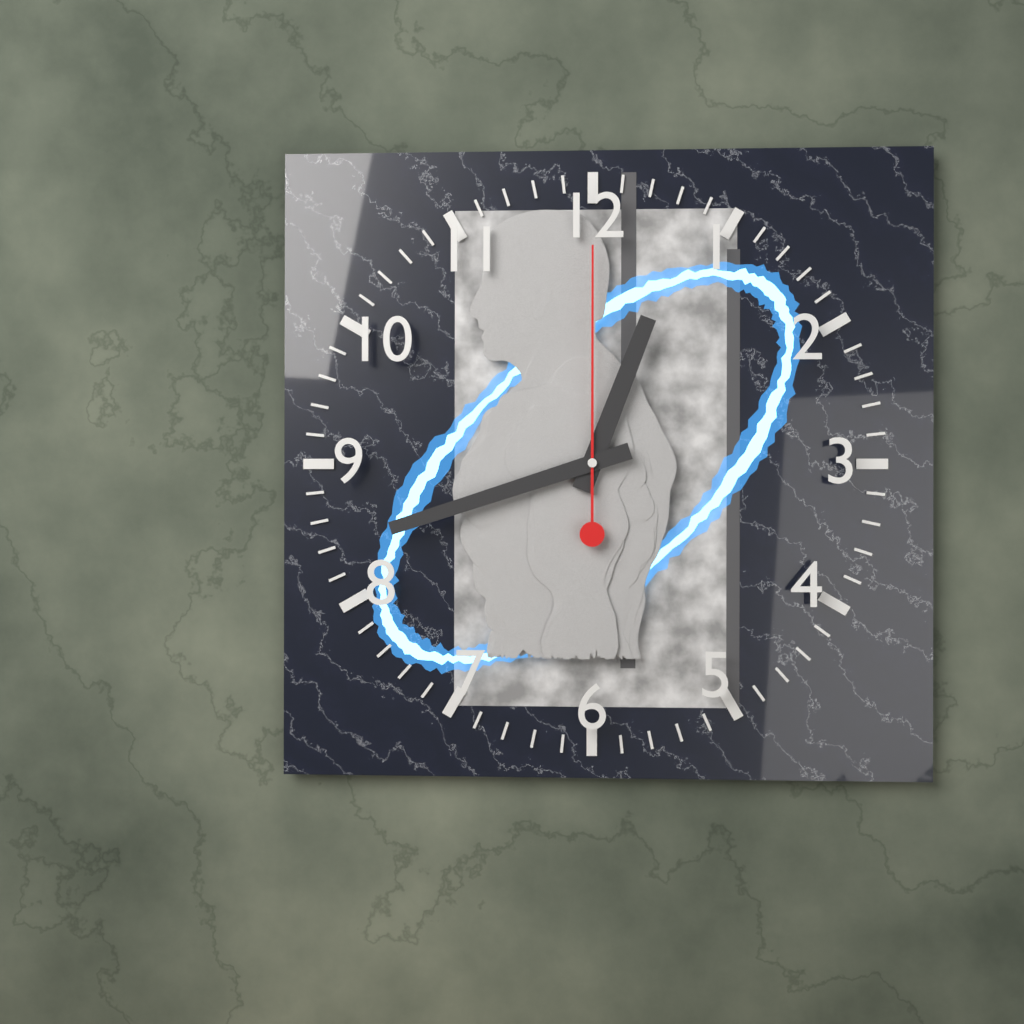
{"hour": 12, "minute": 42, "second": 0}
